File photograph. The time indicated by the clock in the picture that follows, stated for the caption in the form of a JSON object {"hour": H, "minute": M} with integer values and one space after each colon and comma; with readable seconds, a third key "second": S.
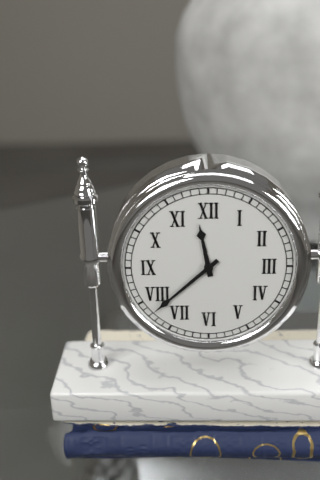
{"hour": 11, "minute": 38}
